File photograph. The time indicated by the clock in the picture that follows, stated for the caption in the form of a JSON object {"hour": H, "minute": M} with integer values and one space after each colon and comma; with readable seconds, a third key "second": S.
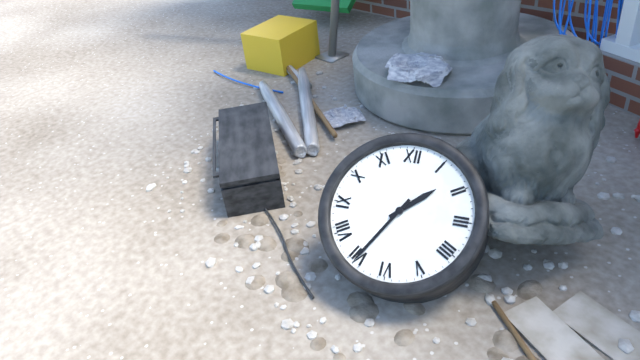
{"hour": 1, "minute": 35}
